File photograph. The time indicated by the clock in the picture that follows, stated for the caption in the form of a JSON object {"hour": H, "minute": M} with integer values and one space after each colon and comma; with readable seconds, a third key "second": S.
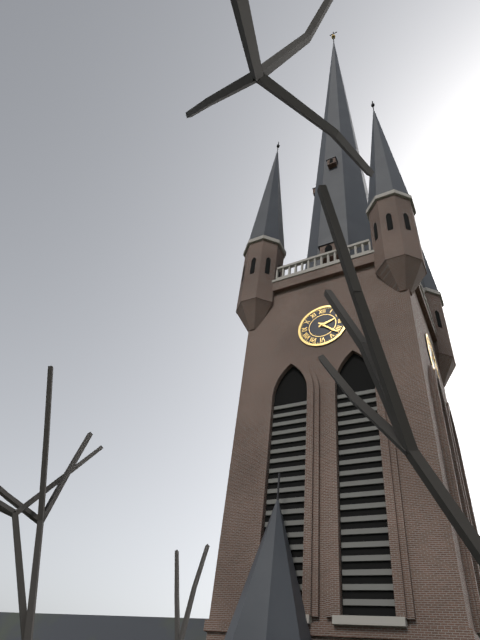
{"hour": 2, "minute": 22}
